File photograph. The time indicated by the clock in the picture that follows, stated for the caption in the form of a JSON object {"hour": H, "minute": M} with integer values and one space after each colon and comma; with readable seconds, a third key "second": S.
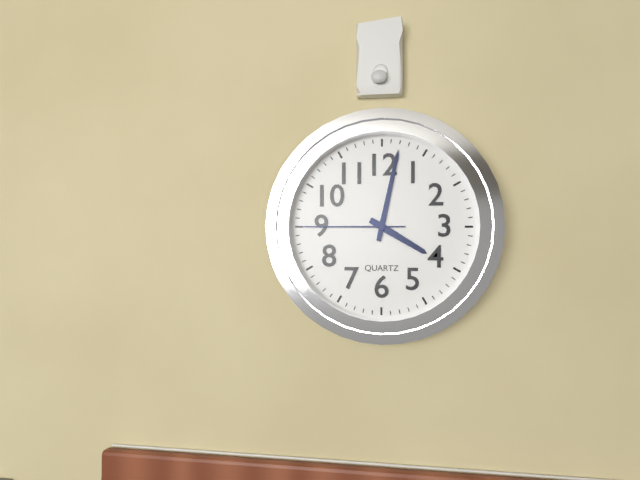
{"hour": 4, "minute": 2, "second": 45}
